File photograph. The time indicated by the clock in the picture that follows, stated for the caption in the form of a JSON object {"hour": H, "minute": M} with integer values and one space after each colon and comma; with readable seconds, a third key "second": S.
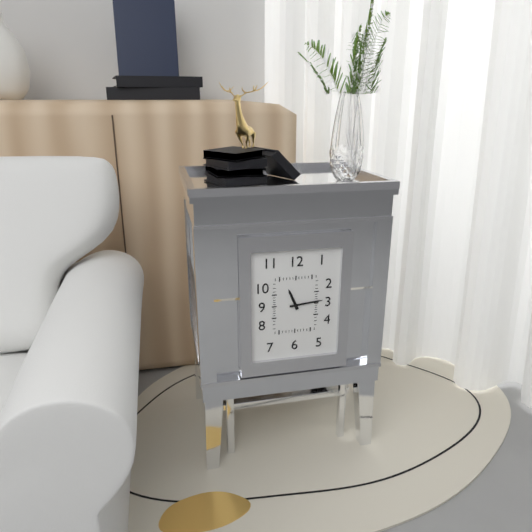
{"hour": 11, "minute": 14}
